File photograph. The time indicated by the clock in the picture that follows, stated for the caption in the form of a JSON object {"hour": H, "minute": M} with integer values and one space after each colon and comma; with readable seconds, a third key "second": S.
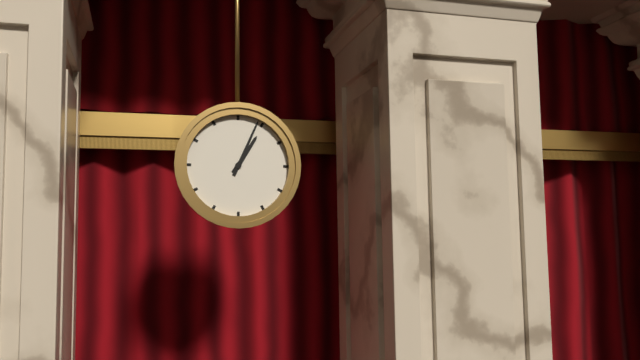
{"hour": 1, "minute": 4}
